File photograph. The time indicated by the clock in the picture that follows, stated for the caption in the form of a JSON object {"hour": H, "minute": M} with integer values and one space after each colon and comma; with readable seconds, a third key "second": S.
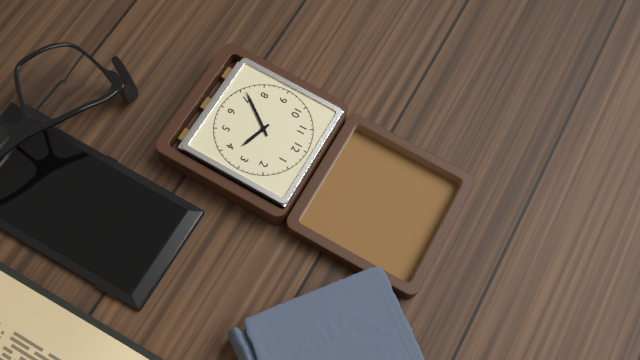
{"hour": 3, "minute": 36}
